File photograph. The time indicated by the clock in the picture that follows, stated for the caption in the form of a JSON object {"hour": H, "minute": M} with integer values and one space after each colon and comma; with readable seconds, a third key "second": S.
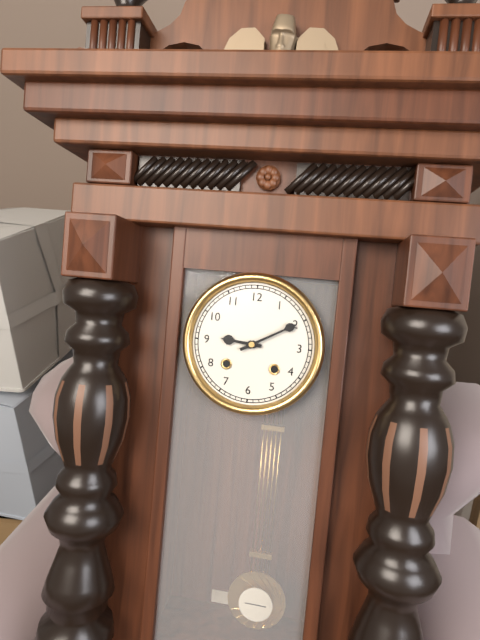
{"hour": 9, "minute": 10}
